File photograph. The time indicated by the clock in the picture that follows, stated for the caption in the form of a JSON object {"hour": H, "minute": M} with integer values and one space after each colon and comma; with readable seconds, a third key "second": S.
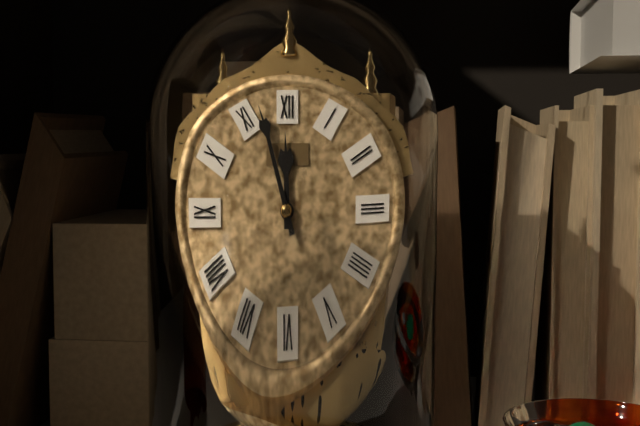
{"hour": 11, "minute": 57}
